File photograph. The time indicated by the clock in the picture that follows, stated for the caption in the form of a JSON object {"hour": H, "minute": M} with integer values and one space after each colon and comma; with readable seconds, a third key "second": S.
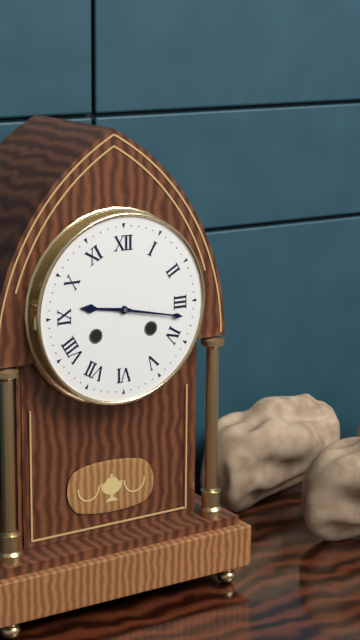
{"hour": 9, "minute": 17}
